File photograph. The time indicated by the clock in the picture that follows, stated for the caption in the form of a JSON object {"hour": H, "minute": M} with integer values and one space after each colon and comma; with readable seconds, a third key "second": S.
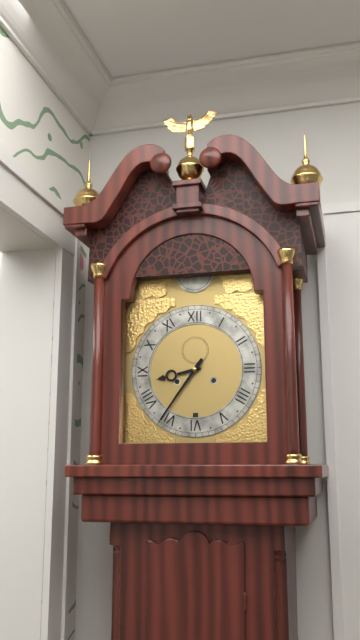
{"hour": 8, "minute": 36}
